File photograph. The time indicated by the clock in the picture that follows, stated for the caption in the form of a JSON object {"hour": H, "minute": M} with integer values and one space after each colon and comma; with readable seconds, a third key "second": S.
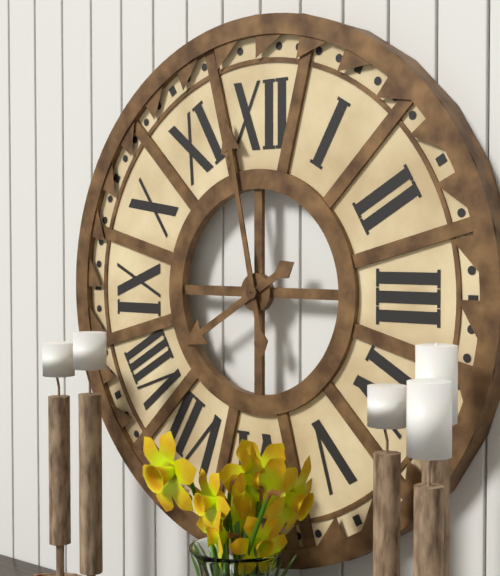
{"hour": 7, "minute": 58}
